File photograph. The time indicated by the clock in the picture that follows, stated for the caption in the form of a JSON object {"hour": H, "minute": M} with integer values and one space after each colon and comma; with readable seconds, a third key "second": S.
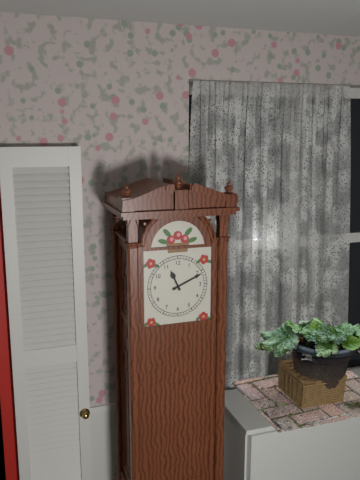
{"hour": 11, "minute": 11}
